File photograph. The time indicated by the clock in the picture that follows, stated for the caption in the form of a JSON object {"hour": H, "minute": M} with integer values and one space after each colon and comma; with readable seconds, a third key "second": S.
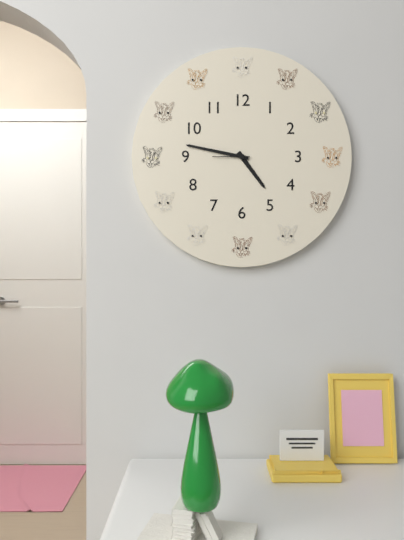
{"hour": 4, "minute": 47}
